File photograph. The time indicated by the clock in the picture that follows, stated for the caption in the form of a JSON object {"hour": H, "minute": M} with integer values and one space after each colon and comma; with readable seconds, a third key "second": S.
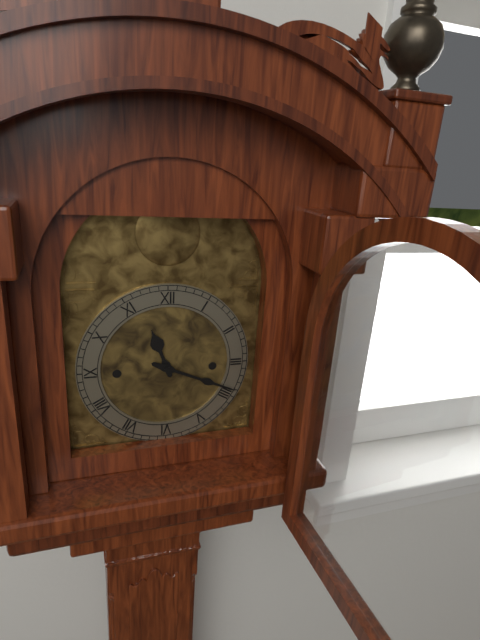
{"hour": 11, "minute": 19}
